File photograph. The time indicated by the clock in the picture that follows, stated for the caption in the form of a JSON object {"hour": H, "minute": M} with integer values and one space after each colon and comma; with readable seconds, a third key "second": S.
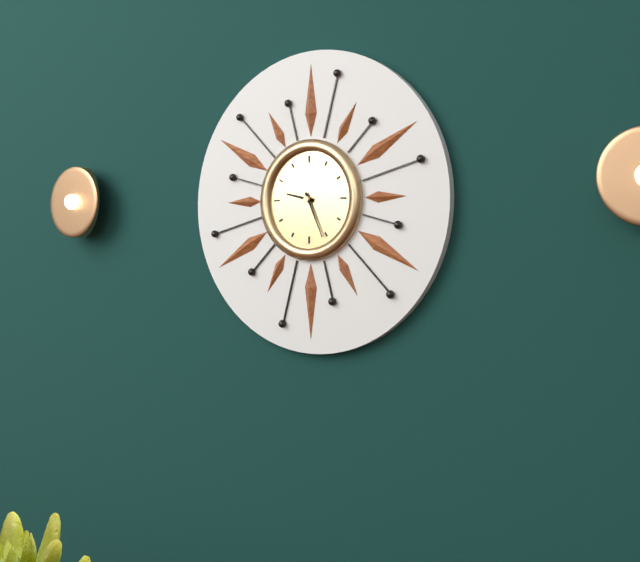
{"hour": 9, "minute": 26}
